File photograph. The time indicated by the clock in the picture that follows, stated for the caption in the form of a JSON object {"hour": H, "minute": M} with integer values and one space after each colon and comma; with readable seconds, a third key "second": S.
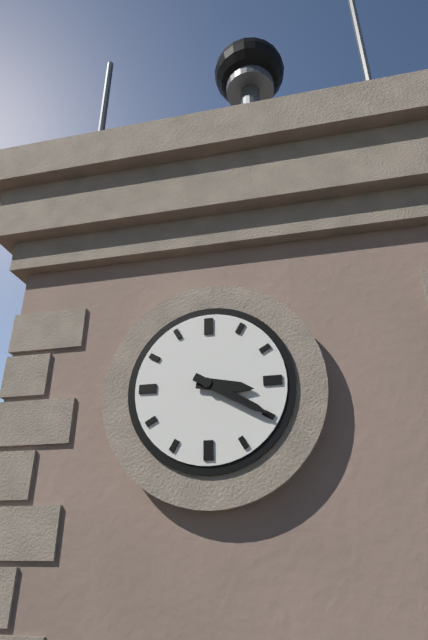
{"hour": 3, "minute": 20}
